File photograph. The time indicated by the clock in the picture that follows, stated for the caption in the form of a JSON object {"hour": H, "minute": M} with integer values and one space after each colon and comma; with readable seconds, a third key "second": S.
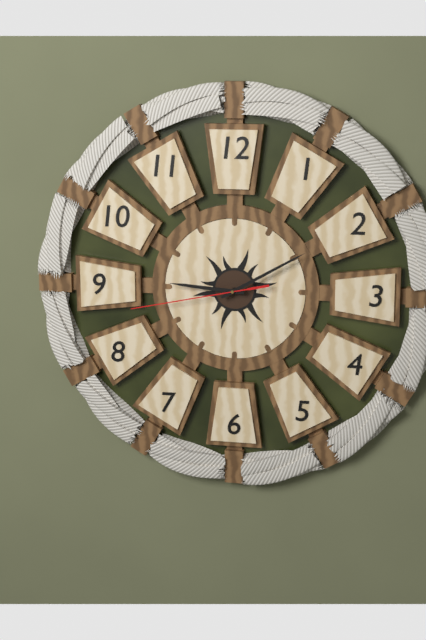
{"hour": 9, "minute": 10, "second": 43}
